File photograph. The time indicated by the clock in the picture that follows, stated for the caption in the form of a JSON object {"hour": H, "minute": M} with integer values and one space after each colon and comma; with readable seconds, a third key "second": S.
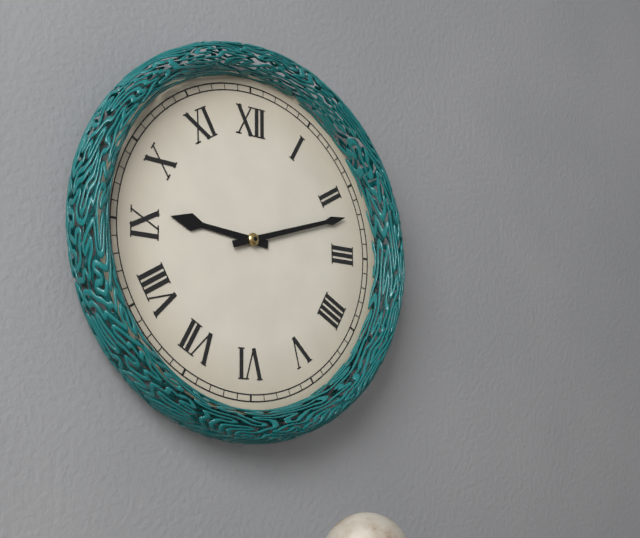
{"hour": 9, "minute": 12}
